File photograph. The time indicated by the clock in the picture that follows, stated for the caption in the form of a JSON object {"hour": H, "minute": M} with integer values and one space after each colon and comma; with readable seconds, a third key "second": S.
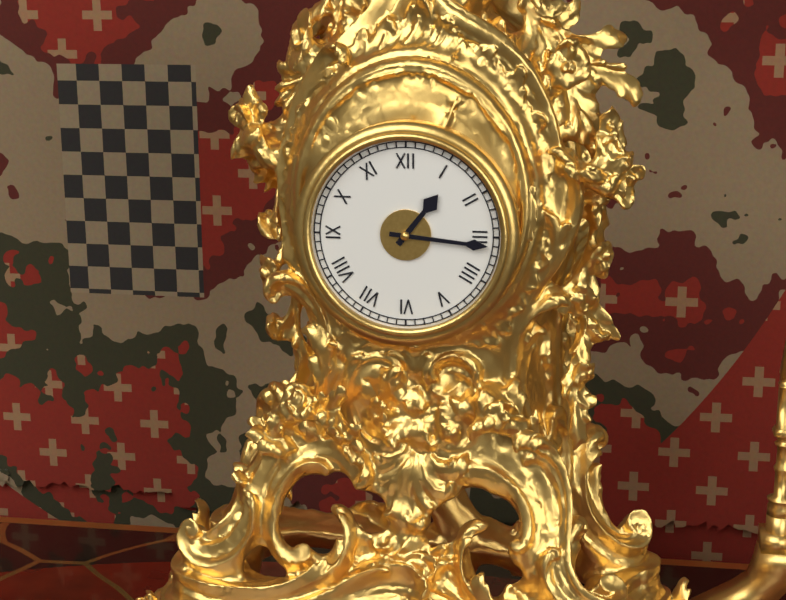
{"hour": 1, "minute": 16}
